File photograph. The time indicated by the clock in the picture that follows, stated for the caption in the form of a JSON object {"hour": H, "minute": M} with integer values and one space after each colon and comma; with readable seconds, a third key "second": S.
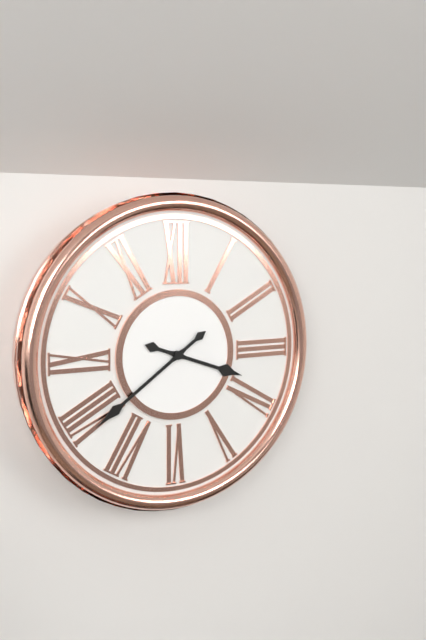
{"hour": 3, "minute": 39}
